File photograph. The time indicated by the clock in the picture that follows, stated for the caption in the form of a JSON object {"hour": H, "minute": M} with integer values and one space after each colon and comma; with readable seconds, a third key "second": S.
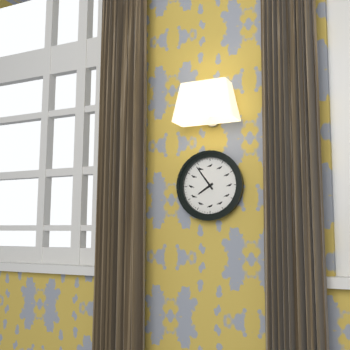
{"hour": 7, "minute": 54}
